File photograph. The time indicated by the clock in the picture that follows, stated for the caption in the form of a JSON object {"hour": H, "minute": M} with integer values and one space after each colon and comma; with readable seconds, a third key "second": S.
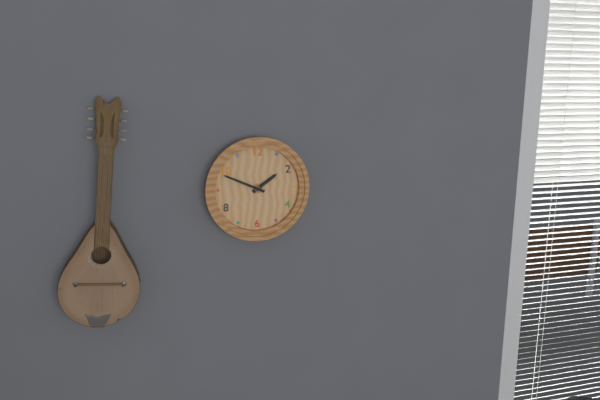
{"hour": 1, "minute": 49}
